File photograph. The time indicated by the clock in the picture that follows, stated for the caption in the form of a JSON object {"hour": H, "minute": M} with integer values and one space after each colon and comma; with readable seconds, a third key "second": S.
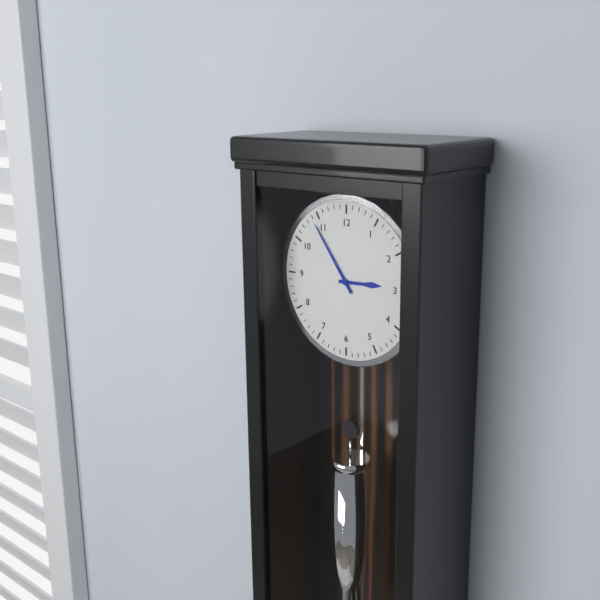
{"hour": 2, "minute": 54}
